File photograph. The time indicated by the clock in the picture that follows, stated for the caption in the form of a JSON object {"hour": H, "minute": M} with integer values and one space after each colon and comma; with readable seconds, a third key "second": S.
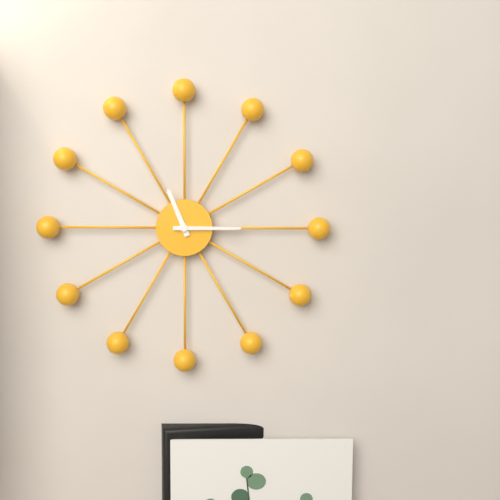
{"hour": 11, "minute": 15}
